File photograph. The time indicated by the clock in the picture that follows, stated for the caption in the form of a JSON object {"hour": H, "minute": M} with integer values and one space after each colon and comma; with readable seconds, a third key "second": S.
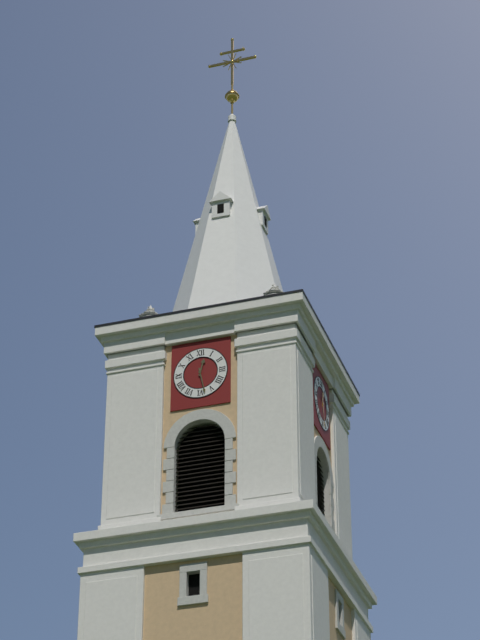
{"hour": 12, "minute": 28}
